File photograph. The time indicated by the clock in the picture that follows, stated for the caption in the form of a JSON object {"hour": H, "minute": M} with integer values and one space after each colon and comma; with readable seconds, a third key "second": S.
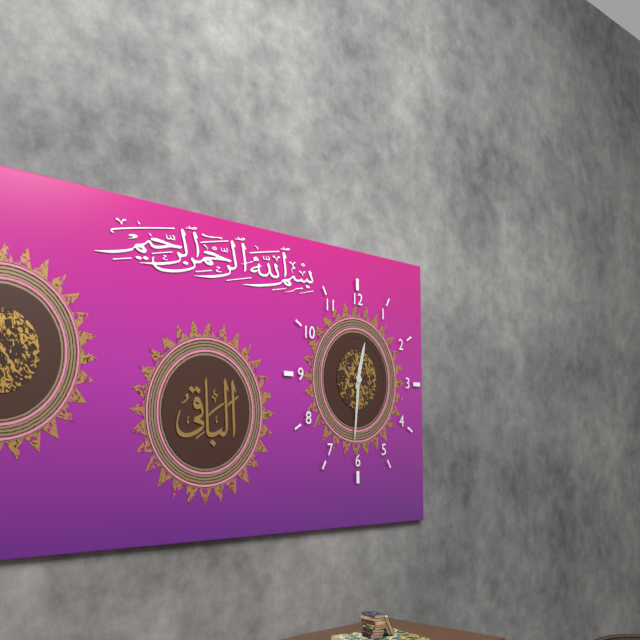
{"hour": 12, "minute": 31}
